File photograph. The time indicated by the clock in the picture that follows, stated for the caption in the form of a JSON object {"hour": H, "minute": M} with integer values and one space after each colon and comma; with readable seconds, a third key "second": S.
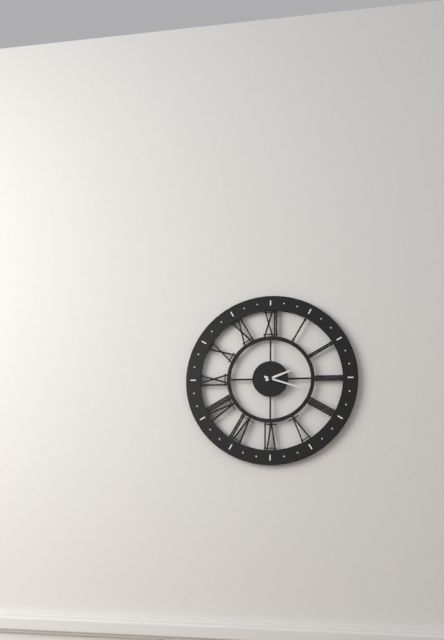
{"hour": 2, "minute": 18}
